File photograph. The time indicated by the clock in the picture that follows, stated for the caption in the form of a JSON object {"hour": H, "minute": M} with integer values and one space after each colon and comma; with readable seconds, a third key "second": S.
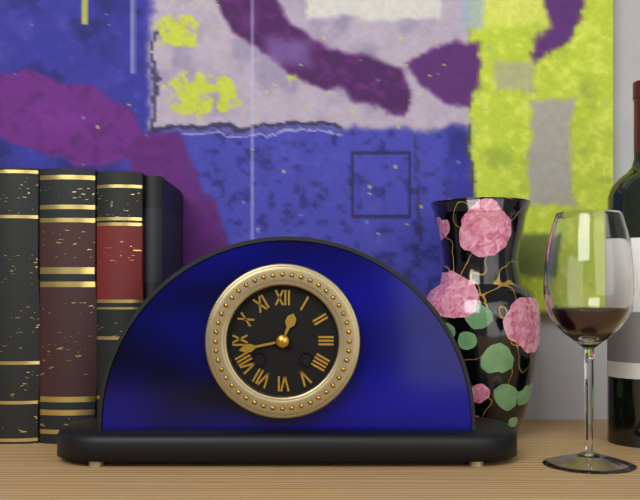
{"hour": 12, "minute": 43}
